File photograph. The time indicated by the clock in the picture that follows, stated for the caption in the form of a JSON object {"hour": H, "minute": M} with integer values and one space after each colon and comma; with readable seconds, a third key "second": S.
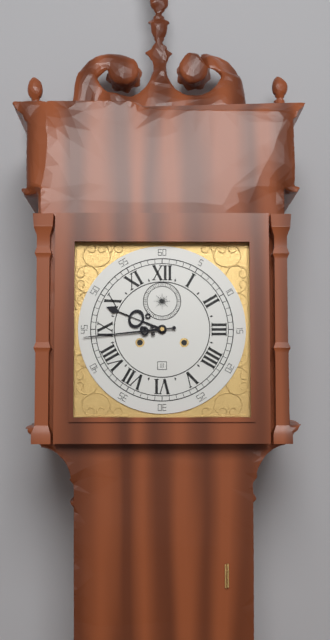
{"hour": 9, "minute": 44}
